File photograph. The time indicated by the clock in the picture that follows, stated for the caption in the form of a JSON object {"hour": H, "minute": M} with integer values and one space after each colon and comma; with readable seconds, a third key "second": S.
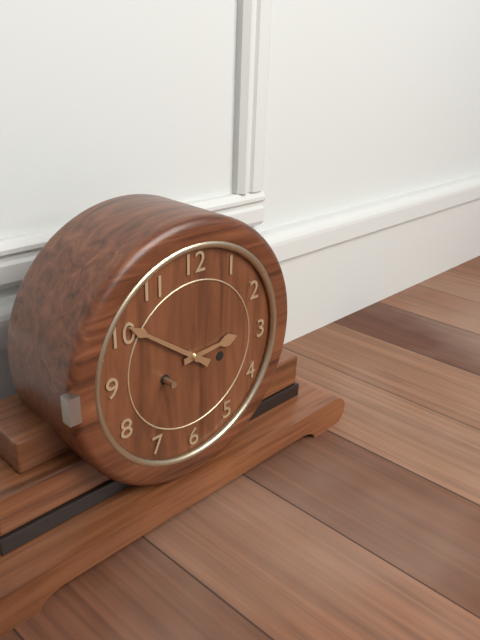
{"hour": 2, "minute": 51}
